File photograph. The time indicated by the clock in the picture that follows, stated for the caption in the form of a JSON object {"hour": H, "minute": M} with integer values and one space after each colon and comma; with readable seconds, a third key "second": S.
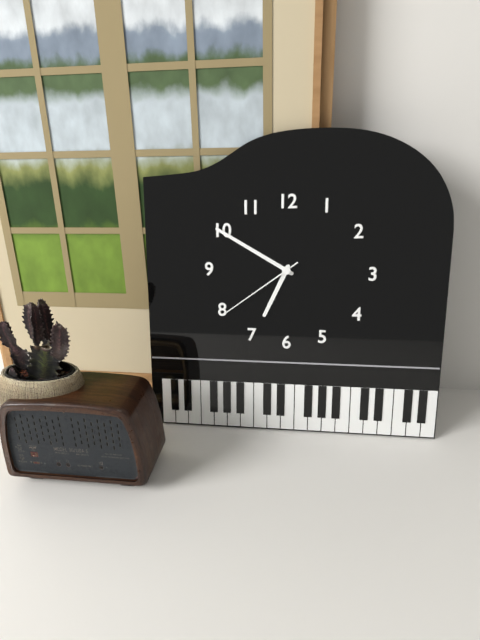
{"hour": 6, "minute": 50, "second": 39}
